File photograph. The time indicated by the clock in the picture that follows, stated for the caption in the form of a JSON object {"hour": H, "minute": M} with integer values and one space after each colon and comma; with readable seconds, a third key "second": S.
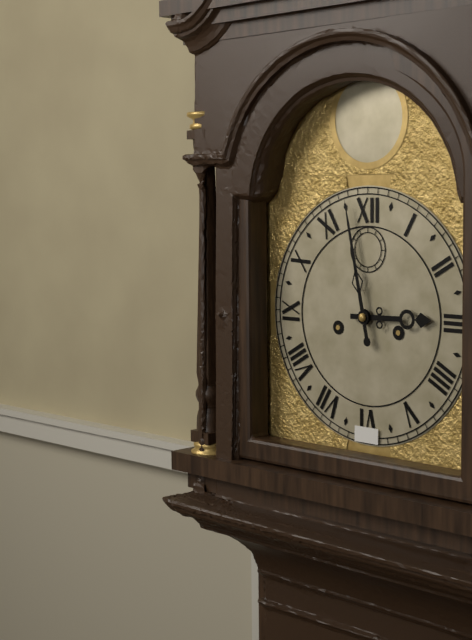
{"hour": 2, "minute": 58}
